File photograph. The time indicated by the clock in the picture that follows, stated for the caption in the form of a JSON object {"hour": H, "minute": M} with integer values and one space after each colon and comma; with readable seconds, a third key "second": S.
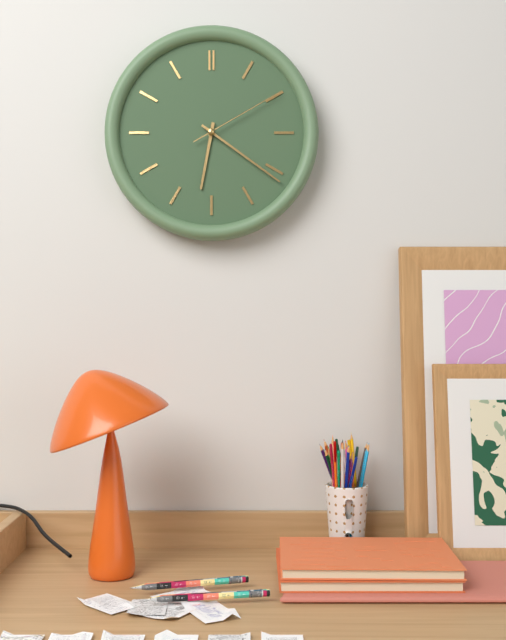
{"hour": 6, "minute": 21, "second": 10}
